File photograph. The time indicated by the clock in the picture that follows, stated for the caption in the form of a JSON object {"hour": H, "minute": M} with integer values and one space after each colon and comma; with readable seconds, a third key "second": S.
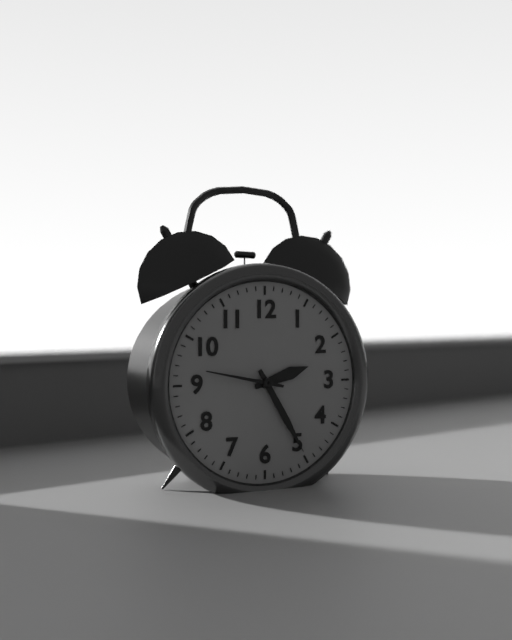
{"hour": 2, "minute": 25, "second": 47}
